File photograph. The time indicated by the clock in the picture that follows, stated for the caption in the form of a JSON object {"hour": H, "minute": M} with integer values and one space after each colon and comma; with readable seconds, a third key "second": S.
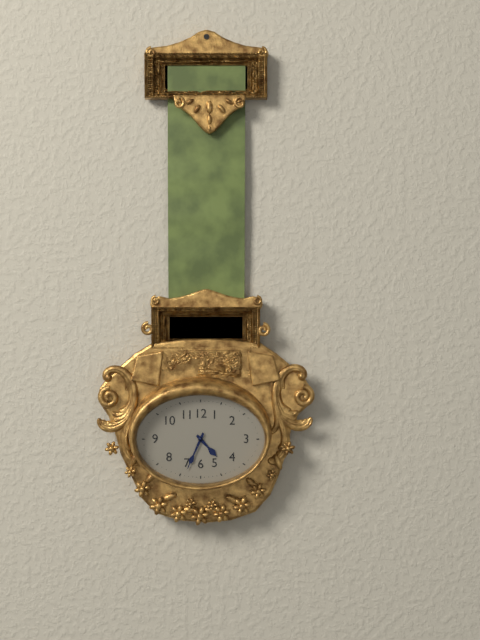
{"hour": 4, "minute": 34}
